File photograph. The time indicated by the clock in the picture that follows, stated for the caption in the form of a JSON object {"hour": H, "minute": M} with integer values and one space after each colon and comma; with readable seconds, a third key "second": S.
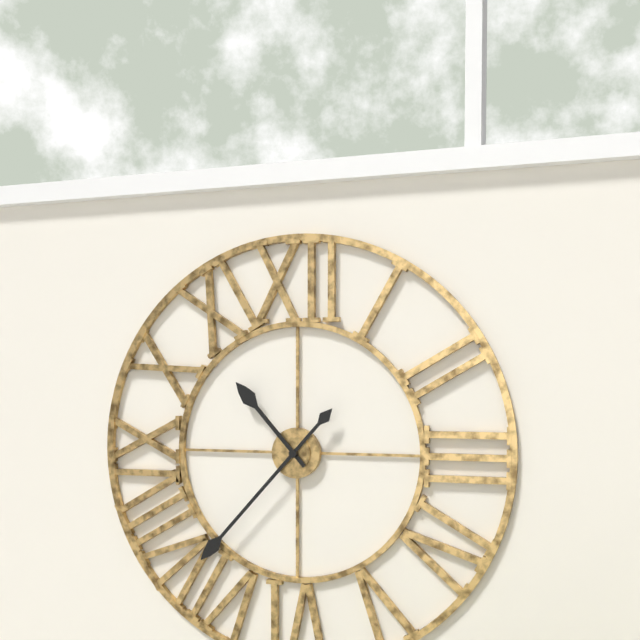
{"hour": 10, "minute": 37}
